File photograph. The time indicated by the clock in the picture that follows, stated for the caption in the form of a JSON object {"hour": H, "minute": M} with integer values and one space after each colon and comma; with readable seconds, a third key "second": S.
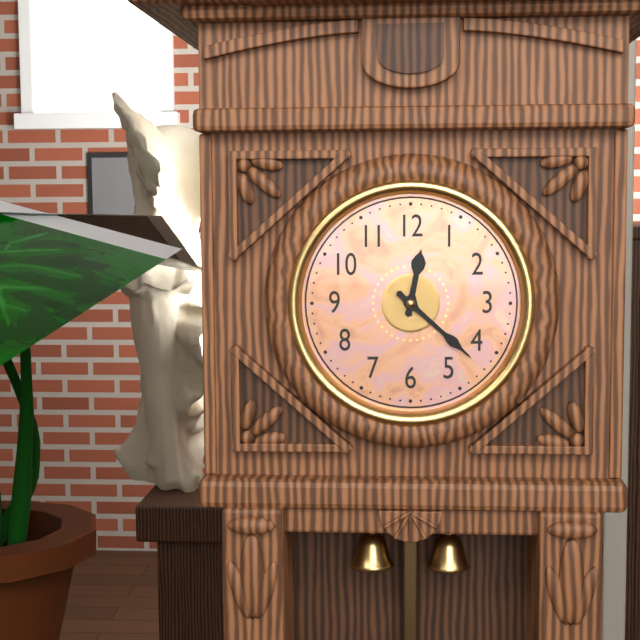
{"hour": 12, "minute": 22}
